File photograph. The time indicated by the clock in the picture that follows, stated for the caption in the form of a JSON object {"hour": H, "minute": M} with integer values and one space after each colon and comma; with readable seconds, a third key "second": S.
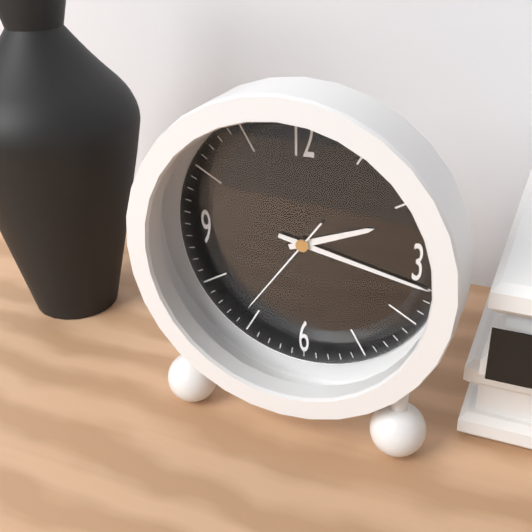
{"hour": 2, "minute": 17, "second": 36}
